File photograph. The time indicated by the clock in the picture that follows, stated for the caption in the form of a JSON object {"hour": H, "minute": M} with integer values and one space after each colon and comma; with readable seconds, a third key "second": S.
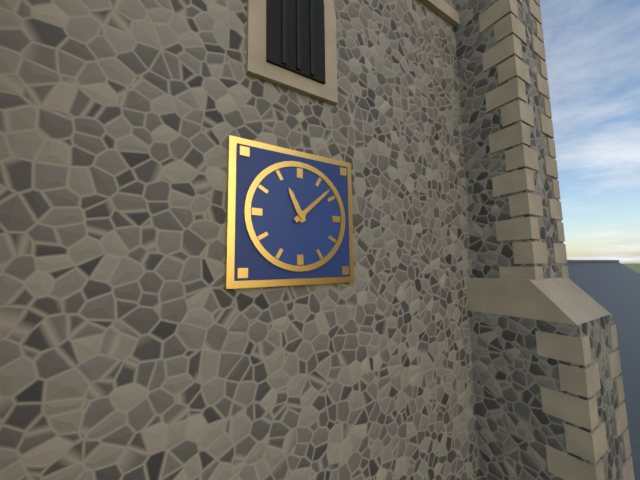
{"hour": 11, "minute": 8}
